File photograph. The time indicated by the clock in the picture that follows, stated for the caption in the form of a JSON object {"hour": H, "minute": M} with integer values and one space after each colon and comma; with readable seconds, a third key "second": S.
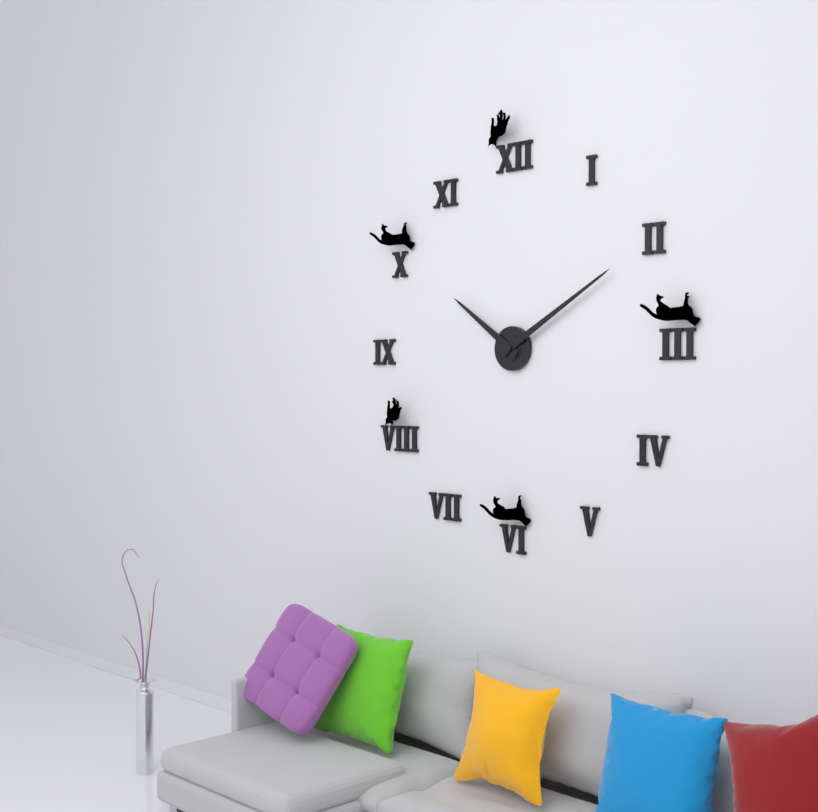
{"hour": 10, "minute": 10}
